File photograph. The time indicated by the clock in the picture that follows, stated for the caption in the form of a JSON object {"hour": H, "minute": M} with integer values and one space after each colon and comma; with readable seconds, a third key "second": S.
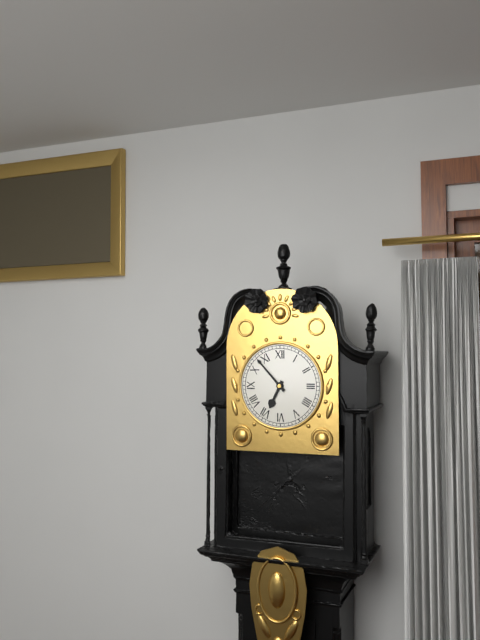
{"hour": 6, "minute": 53}
